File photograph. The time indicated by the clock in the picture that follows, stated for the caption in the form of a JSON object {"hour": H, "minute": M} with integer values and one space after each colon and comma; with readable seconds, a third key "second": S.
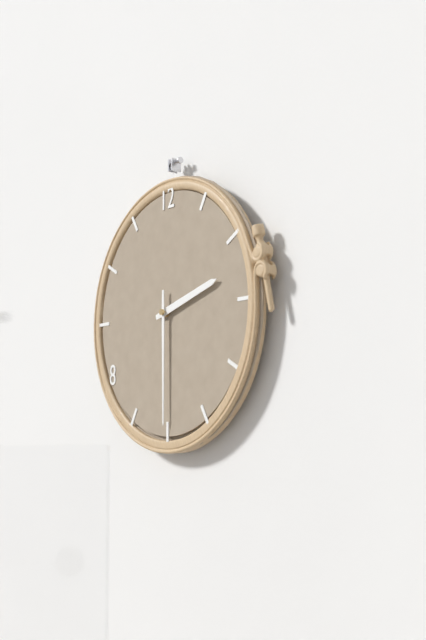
{"hour": 2, "minute": 30}
